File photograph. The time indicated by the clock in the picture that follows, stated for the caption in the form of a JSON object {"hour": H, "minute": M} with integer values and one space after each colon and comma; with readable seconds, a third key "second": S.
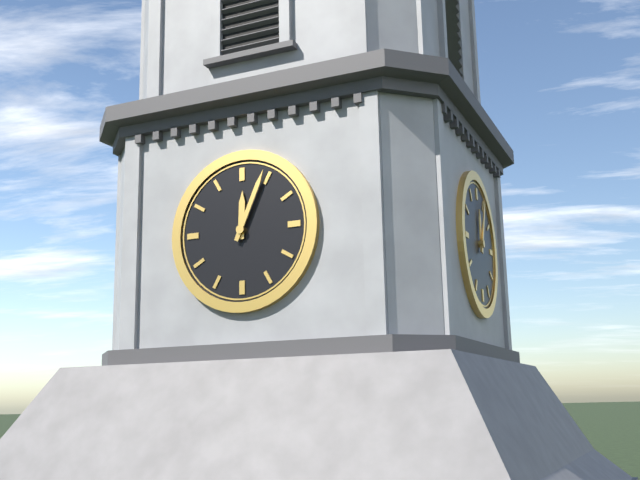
{"hour": 12, "minute": 4}
